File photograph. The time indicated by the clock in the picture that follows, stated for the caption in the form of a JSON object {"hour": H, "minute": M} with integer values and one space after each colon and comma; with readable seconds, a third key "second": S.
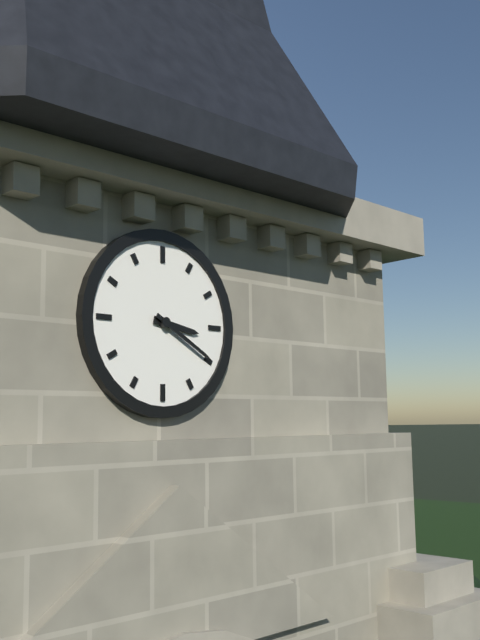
{"hour": 3, "minute": 20}
